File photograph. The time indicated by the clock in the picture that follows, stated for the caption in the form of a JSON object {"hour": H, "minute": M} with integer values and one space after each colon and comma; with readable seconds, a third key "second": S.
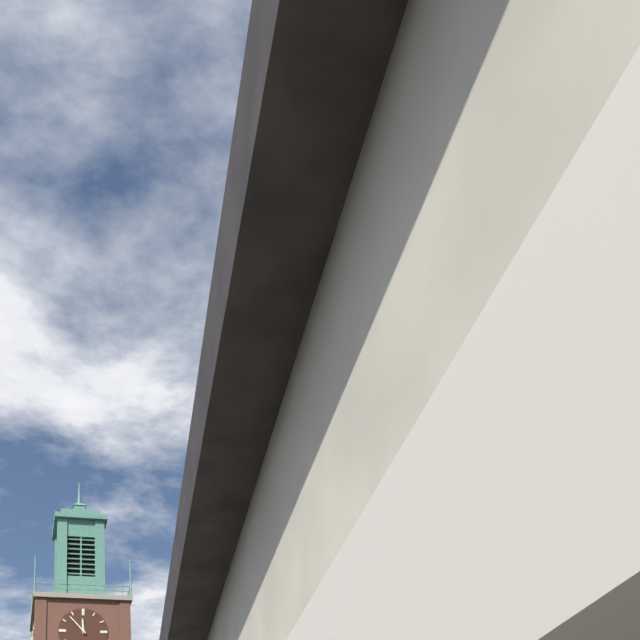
{"hour": 11, "minute": 53}
